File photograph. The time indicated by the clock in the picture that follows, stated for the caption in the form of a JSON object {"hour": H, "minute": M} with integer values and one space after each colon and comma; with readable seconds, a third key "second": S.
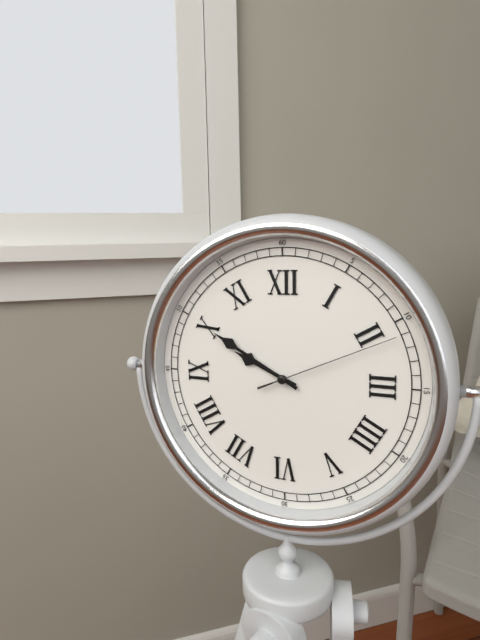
{"hour": 9, "minute": 50, "second": 11}
